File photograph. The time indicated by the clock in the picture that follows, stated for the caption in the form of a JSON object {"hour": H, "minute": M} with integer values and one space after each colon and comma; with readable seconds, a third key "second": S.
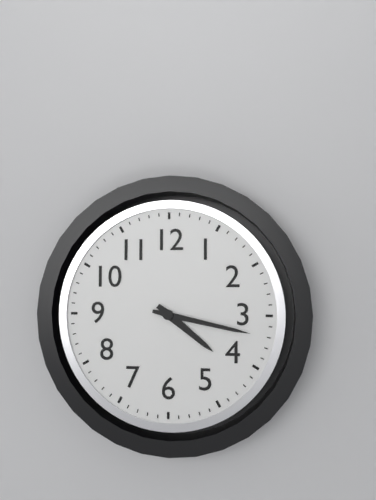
{"hour": 4, "minute": 17}
